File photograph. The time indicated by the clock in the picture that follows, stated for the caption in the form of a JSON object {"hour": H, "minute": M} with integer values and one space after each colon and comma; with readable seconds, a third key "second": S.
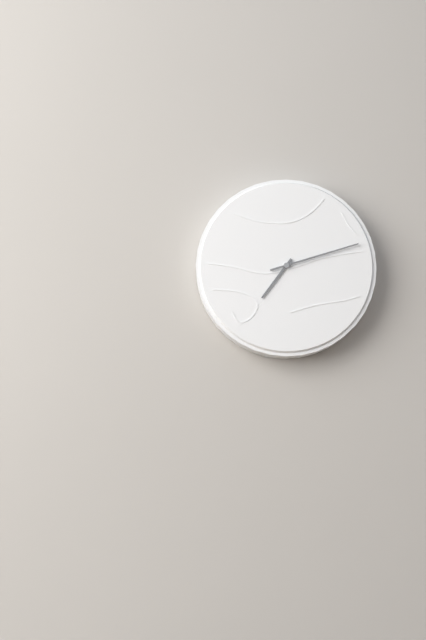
{"hour": 7, "minute": 12}
